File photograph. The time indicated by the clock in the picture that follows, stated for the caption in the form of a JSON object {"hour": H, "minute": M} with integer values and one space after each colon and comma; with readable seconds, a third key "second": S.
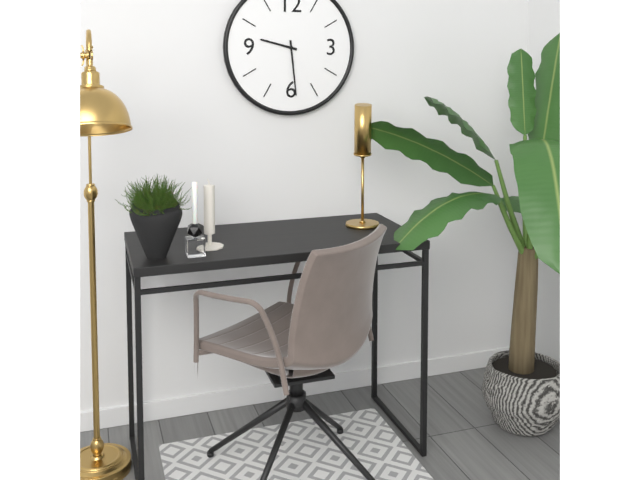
{"hour": 9, "minute": 29}
